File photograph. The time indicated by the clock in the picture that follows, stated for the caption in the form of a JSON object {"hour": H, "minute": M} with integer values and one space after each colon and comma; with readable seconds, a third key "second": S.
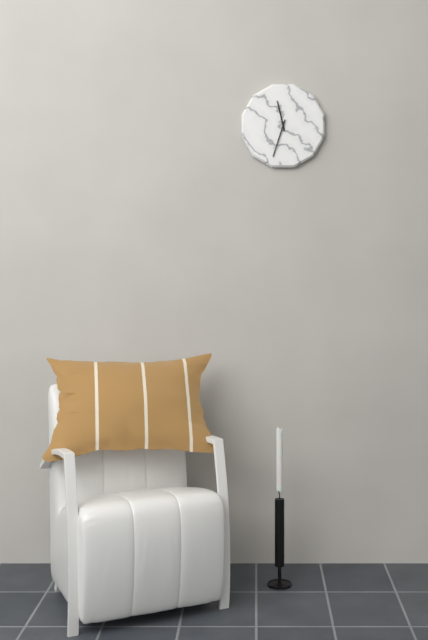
{"hour": 11, "minute": 33}
